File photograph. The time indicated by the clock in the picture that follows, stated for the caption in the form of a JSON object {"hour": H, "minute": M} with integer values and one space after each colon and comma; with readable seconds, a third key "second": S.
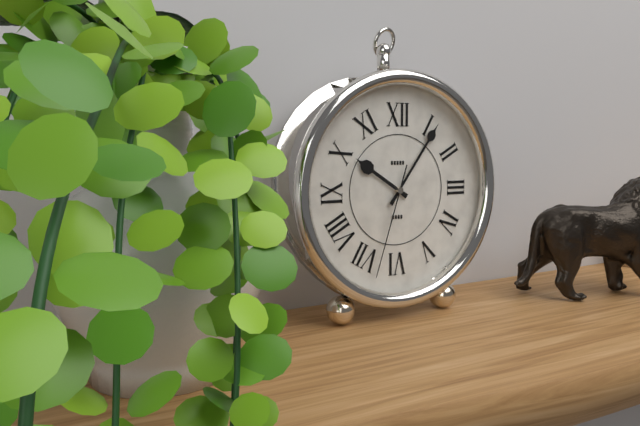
{"hour": 10, "minute": 6, "second": 33}
